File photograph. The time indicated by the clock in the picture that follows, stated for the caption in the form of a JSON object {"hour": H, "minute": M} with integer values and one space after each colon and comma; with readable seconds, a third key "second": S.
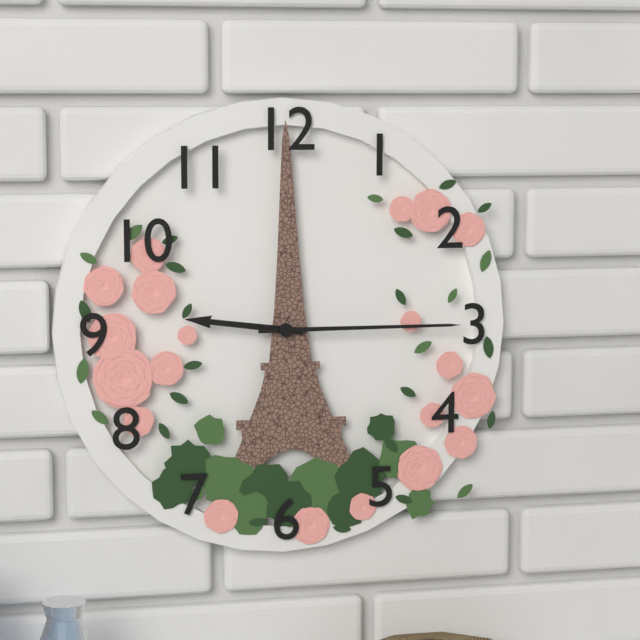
{"hour": 9, "minute": 15}
